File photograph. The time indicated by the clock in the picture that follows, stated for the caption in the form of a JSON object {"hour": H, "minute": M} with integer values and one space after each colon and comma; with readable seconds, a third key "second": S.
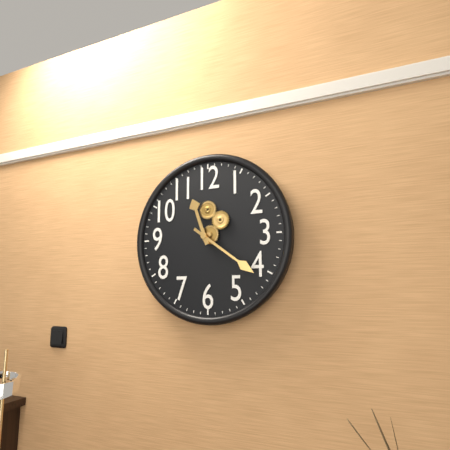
{"hour": 11, "minute": 21}
